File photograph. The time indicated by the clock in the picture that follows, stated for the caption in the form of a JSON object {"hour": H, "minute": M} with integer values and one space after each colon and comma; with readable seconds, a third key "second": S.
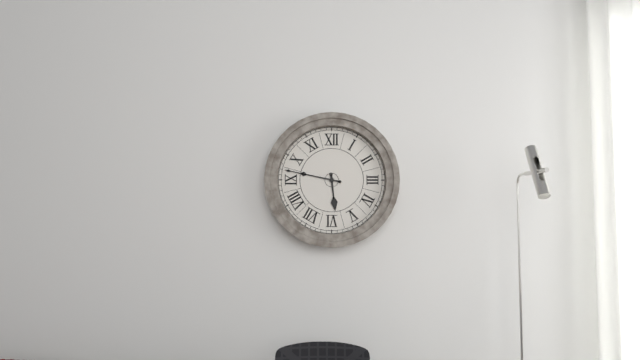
{"hour": 5, "minute": 47}
